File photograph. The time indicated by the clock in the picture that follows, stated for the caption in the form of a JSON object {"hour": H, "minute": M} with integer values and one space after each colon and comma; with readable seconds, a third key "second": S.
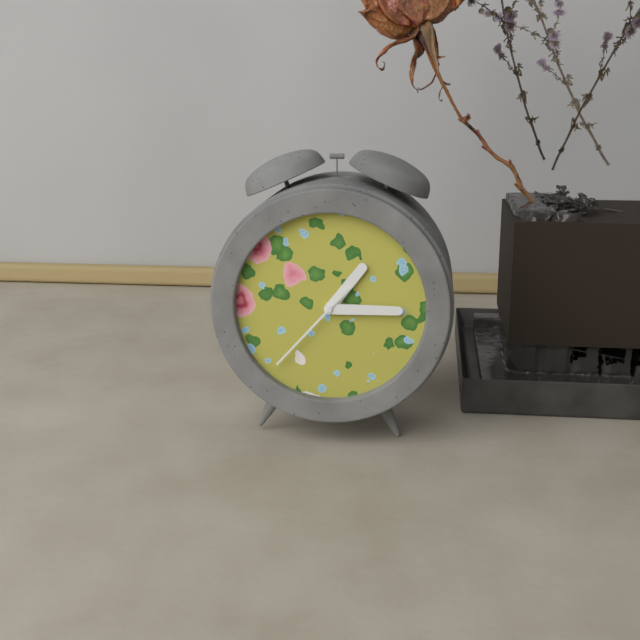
{"hour": 1, "minute": 15, "second": 37}
